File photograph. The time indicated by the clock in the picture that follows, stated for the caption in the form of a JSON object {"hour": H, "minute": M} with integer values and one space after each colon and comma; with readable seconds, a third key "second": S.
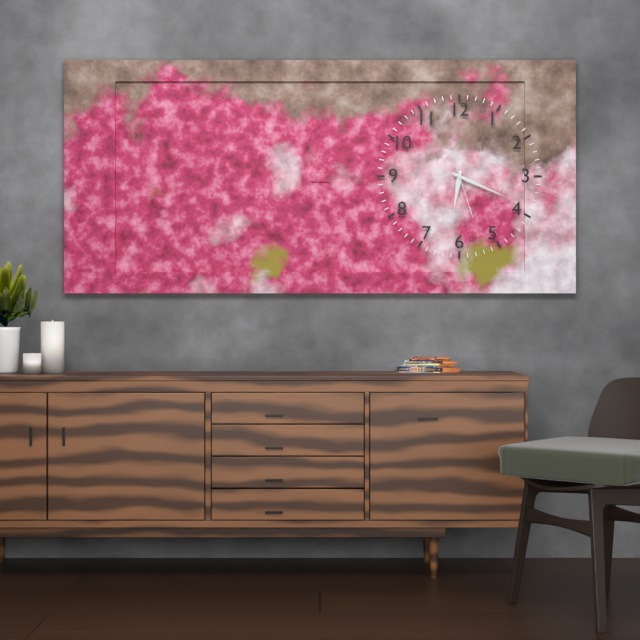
{"hour": 6, "minute": 19, "second": 27}
